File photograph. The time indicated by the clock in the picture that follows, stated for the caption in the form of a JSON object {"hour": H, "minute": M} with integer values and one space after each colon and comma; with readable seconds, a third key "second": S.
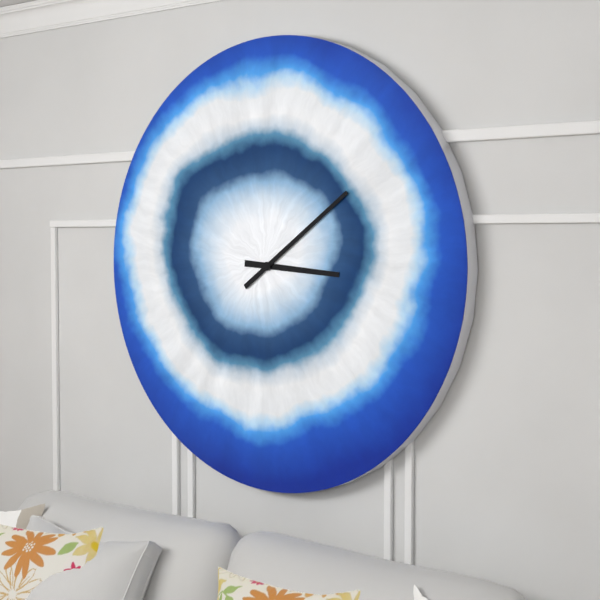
{"hour": 3, "minute": 9}
